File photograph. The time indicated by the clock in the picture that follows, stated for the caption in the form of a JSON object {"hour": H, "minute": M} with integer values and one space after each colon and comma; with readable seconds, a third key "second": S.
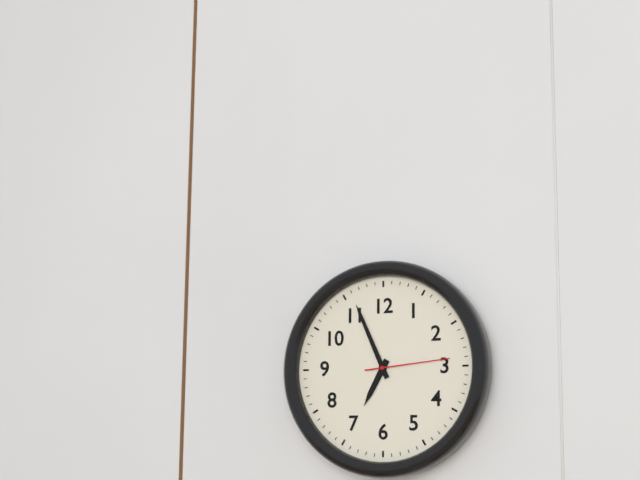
{"hour": 6, "minute": 56, "second": 14}
